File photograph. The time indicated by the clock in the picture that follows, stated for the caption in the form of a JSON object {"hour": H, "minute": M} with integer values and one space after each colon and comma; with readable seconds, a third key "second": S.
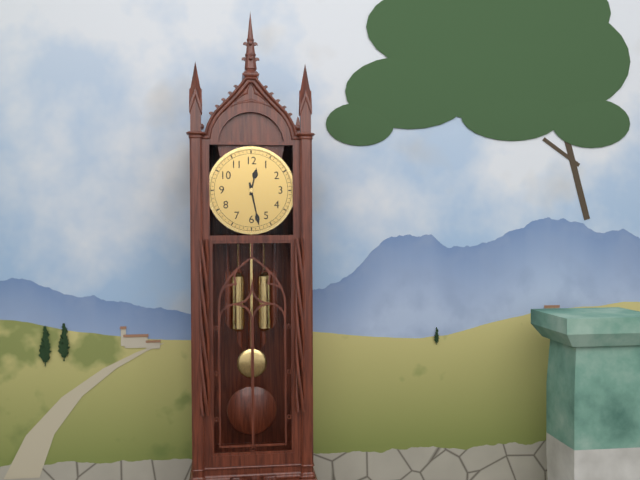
{"hour": 12, "minute": 28}
